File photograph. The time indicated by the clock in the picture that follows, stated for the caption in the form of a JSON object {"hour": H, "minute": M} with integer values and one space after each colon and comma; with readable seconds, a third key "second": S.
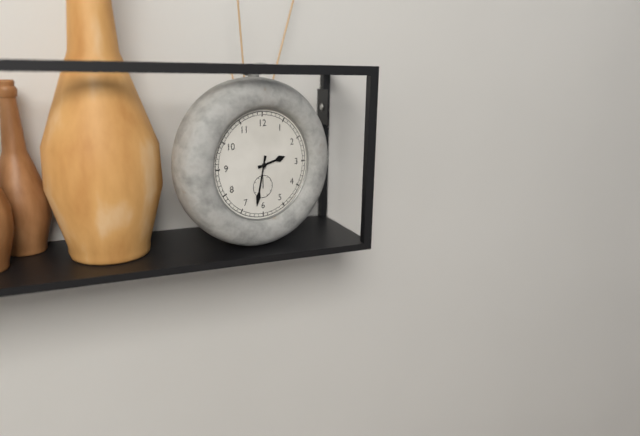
{"hour": 2, "minute": 32}
